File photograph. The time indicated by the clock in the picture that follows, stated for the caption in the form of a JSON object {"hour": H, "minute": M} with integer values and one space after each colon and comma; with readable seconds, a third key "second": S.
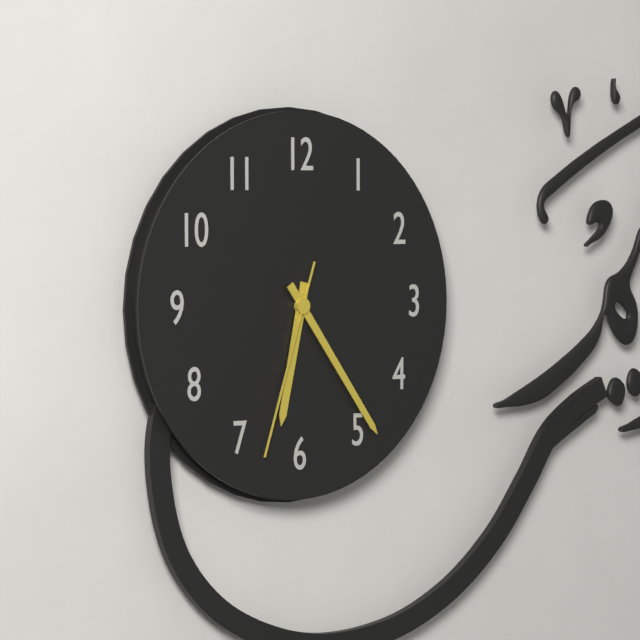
{"hour": 6, "minute": 24, "second": 33}
